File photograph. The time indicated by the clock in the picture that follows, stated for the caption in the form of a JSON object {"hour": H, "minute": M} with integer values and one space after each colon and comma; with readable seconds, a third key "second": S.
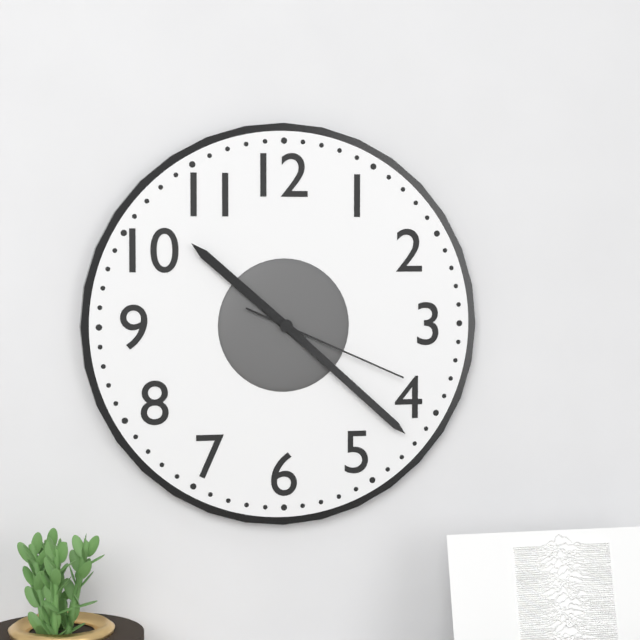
{"hour": 10, "minute": 22, "second": 19}
